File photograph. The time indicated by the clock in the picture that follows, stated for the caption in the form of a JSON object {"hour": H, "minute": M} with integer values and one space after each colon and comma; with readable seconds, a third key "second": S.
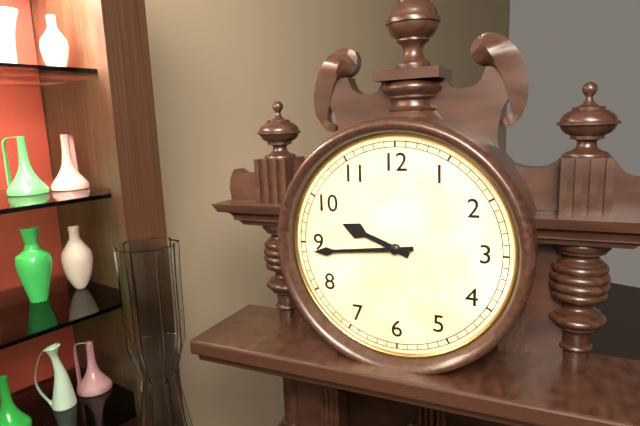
{"hour": 9, "minute": 44}
